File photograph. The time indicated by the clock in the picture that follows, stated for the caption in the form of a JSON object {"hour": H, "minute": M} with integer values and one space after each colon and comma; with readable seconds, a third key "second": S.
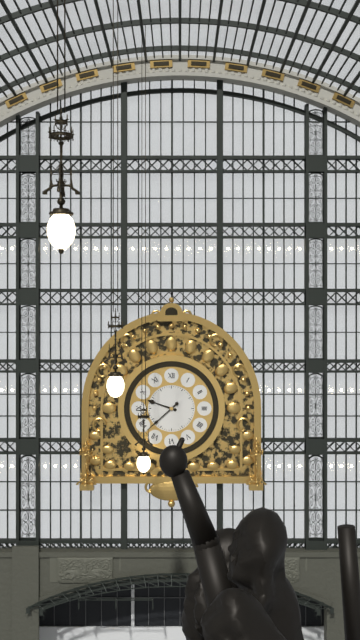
{"hour": 9, "minute": 38}
